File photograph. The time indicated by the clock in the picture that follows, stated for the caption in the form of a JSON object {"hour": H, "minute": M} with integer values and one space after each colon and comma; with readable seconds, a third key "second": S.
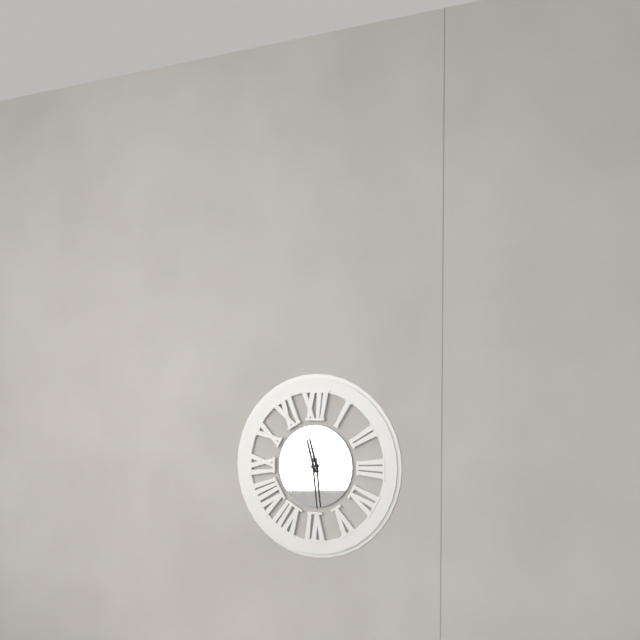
{"hour": 11, "minute": 29}
